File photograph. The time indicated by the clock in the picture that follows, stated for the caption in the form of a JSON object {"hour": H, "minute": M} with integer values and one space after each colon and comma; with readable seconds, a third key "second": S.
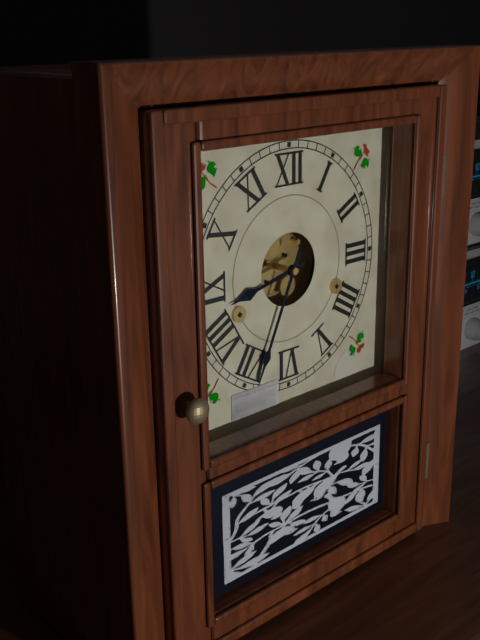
{"hour": 8, "minute": 34}
